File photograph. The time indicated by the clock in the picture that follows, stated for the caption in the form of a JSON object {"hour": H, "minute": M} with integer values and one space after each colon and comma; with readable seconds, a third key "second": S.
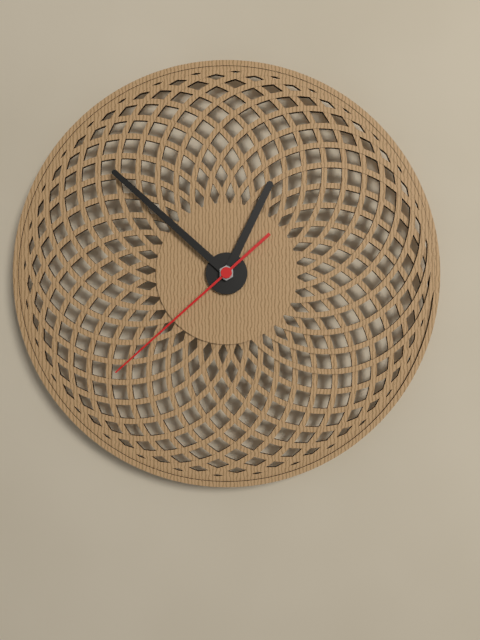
{"hour": 12, "minute": 52, "second": 38}
